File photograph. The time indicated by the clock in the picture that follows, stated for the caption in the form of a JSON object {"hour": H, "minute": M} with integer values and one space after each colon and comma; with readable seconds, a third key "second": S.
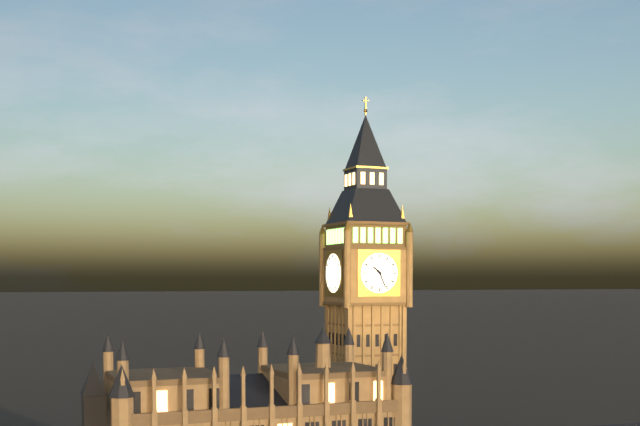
{"hour": 10, "minute": 26}
